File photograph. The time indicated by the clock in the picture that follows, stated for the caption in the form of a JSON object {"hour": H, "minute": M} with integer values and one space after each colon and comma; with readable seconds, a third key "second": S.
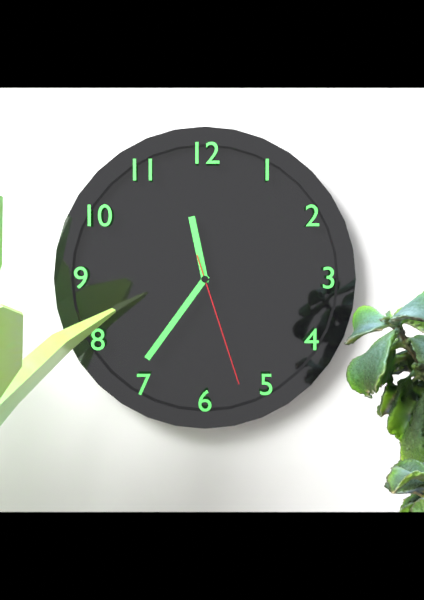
{"hour": 11, "minute": 36, "second": 27}
